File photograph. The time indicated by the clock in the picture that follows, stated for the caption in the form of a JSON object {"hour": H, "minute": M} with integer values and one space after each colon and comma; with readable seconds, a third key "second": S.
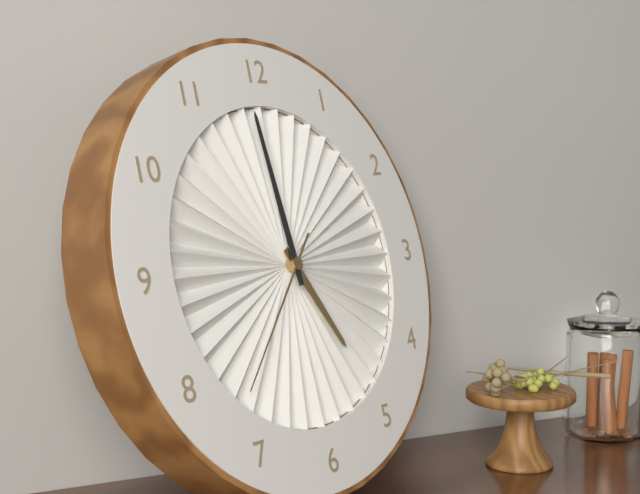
{"hour": 4, "minute": 59, "second": 37}
